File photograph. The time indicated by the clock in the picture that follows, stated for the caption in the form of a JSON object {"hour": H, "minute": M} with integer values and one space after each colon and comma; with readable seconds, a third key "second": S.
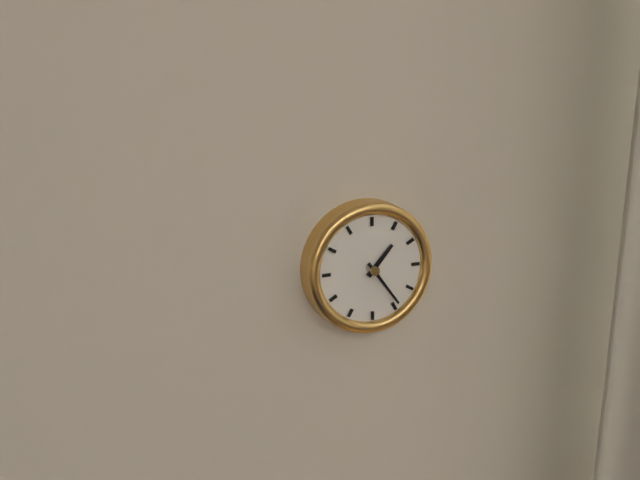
{"hour": 1, "minute": 24}
